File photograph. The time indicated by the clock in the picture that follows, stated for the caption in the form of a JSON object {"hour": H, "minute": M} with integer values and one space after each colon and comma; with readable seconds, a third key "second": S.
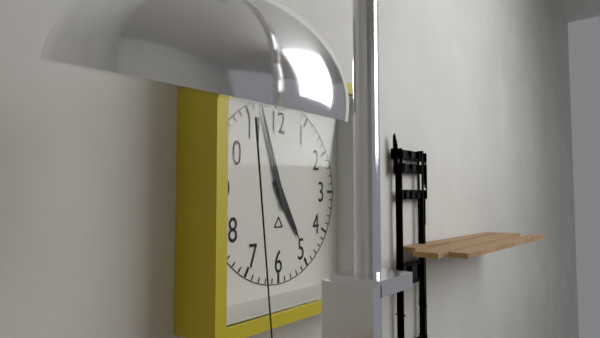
{"hour": 4, "minute": 57}
